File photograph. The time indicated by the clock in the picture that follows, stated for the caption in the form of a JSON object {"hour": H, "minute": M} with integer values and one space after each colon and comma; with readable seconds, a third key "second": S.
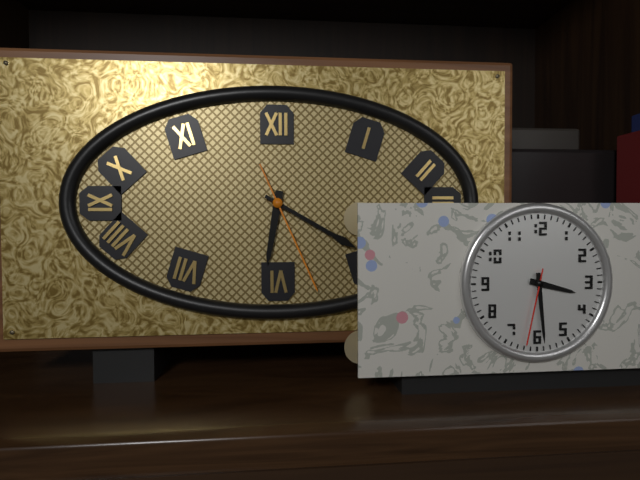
{"hour": 6, "minute": 20, "second": 26}
